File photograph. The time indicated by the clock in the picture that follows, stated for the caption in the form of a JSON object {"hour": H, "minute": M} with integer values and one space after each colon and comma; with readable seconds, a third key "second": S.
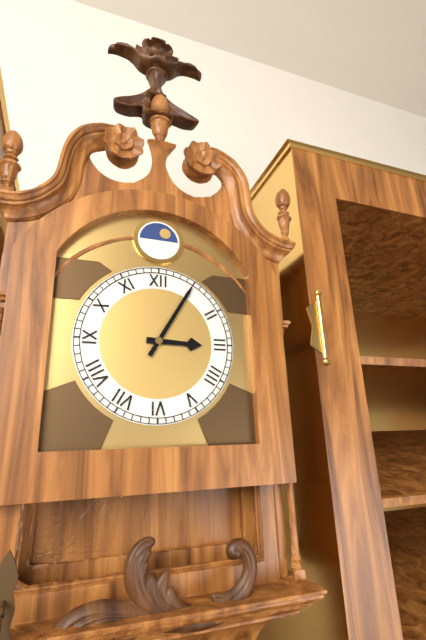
{"hour": 3, "minute": 5}
